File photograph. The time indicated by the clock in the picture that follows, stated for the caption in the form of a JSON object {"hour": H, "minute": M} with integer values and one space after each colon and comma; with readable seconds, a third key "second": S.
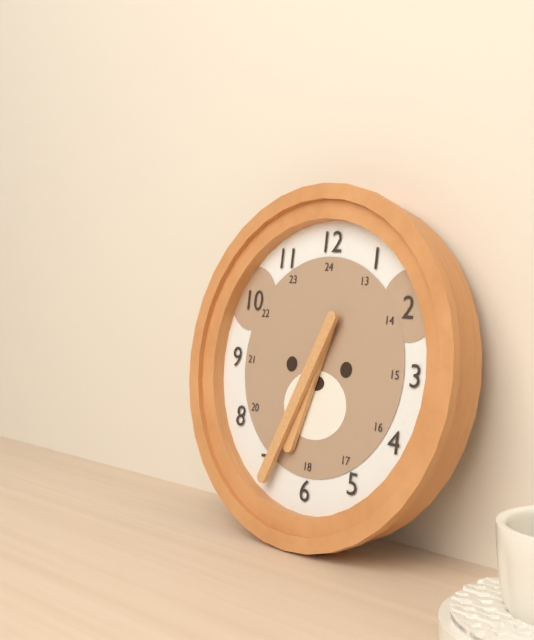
{"hour": 6, "minute": 34}
